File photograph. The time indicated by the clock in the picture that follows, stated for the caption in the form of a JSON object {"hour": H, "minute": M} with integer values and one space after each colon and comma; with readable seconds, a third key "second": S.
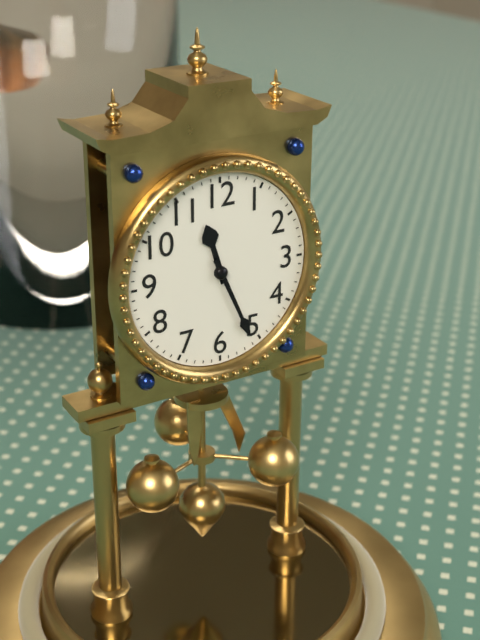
{"hour": 11, "minute": 26}
